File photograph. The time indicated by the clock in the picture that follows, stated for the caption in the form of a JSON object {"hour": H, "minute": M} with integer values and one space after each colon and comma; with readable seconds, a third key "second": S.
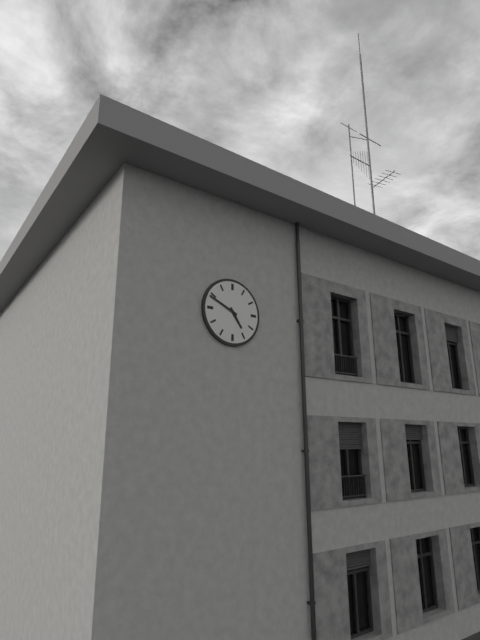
{"hour": 4, "minute": 49}
